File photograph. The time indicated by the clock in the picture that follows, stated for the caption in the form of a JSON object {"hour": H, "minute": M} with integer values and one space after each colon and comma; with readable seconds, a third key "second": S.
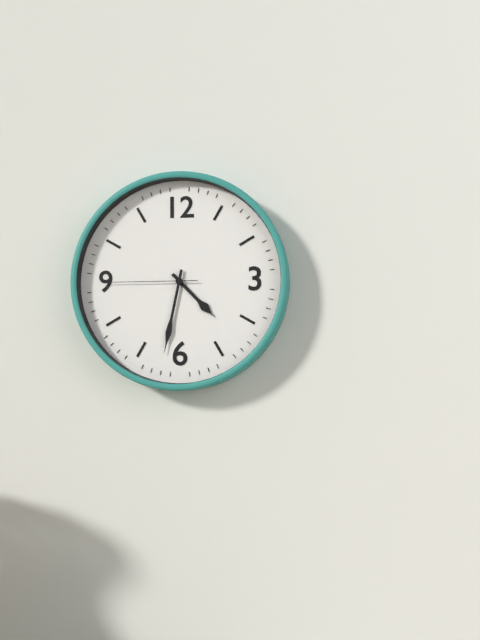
{"hour": 4, "minute": 32, "second": 45}
